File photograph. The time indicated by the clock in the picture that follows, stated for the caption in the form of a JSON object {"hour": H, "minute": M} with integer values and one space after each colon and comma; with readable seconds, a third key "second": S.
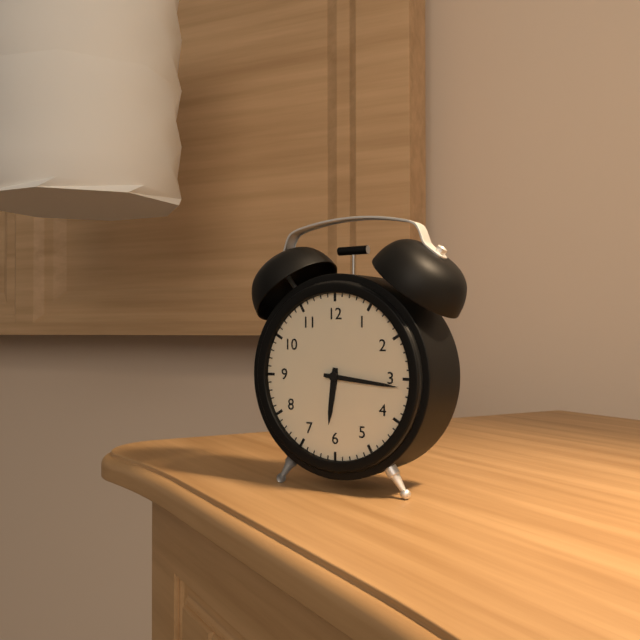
{"hour": 6, "minute": 16}
